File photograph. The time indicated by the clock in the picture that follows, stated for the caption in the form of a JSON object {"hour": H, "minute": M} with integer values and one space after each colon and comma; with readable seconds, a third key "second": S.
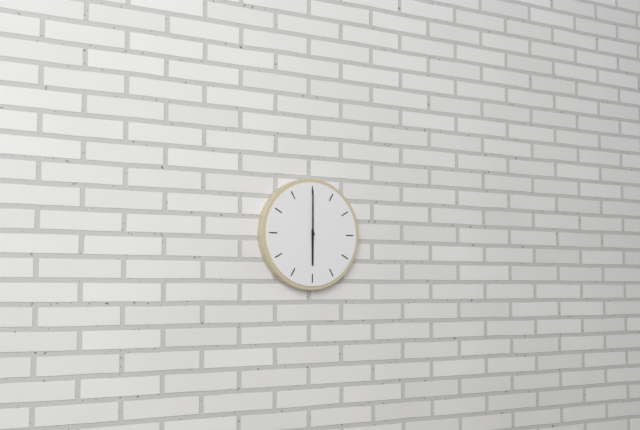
{"hour": 6, "minute": 0}
